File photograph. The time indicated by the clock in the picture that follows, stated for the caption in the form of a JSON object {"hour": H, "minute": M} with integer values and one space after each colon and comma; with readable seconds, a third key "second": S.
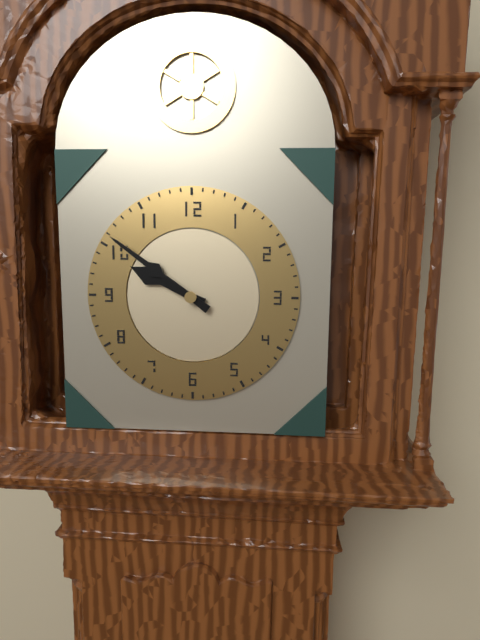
{"hour": 9, "minute": 51}
